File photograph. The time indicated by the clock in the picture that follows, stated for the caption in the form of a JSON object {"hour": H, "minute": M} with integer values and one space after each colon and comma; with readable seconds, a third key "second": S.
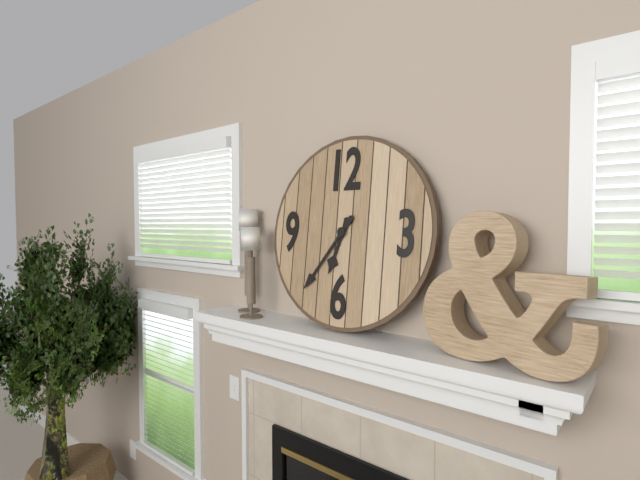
{"hour": 6, "minute": 36}
